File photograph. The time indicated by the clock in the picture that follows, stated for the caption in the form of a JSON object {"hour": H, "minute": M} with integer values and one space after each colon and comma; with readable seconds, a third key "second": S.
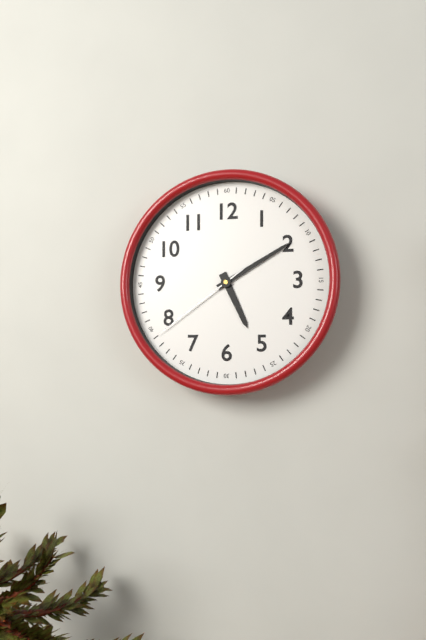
{"hour": 5, "minute": 10, "second": 39}
